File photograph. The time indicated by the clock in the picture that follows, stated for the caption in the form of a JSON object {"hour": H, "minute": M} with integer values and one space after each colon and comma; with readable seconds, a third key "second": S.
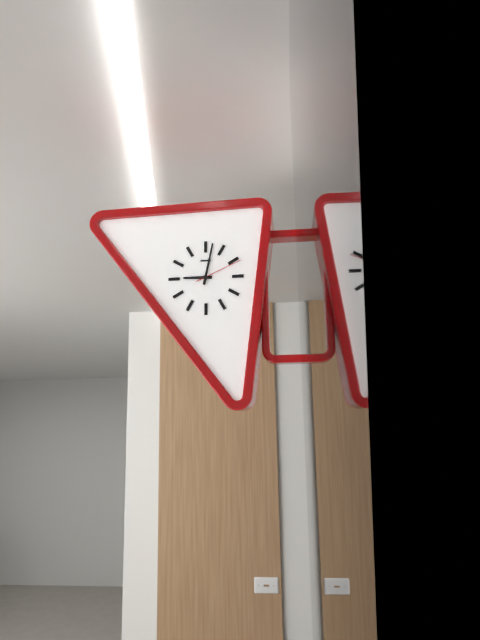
{"hour": 9, "minute": 2}
